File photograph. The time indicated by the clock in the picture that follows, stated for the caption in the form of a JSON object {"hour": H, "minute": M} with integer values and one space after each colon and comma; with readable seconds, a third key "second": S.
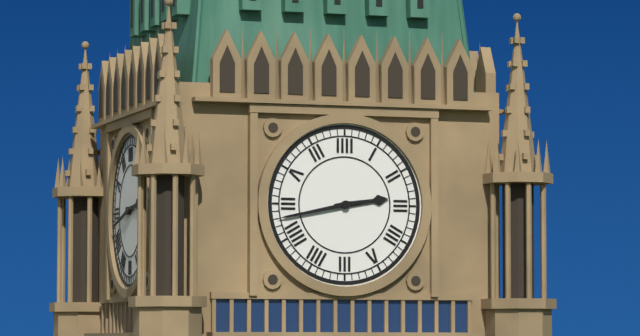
{"hour": 2, "minute": 43}
